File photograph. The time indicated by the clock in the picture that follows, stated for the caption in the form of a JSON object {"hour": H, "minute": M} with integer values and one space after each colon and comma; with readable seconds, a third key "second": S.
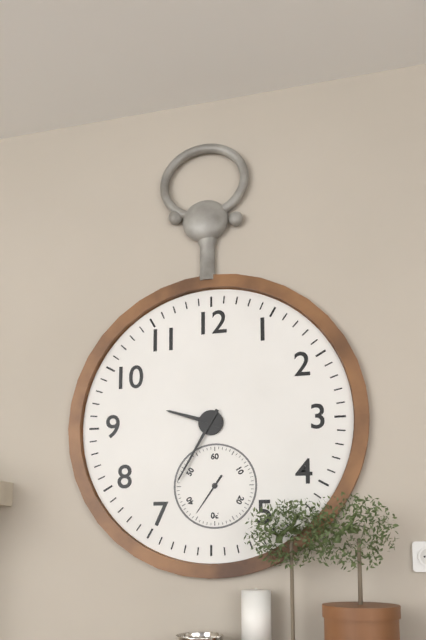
{"hour": 9, "minute": 35}
